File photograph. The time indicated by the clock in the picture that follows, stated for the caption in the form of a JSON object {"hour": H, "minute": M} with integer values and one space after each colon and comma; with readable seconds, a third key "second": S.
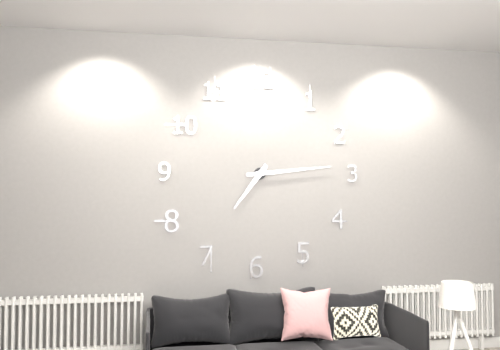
{"hour": 7, "minute": 14}
